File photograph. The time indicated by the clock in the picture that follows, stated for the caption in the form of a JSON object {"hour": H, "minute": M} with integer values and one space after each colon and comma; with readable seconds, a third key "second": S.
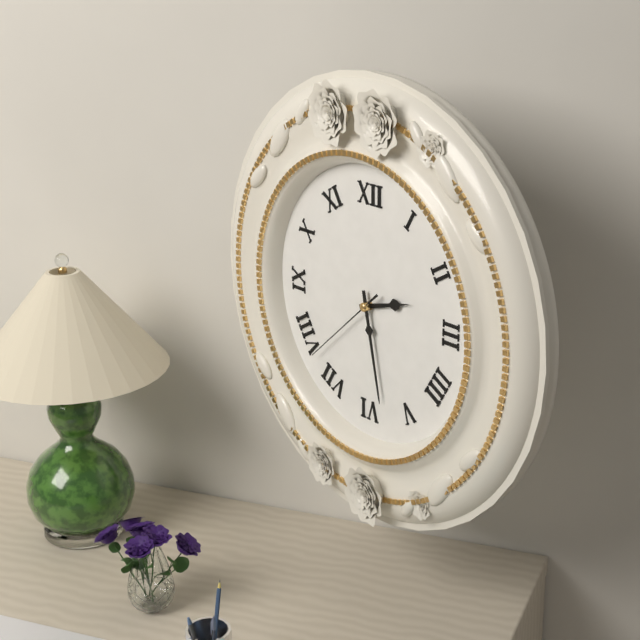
{"hour": 2, "minute": 28, "second": 38}
